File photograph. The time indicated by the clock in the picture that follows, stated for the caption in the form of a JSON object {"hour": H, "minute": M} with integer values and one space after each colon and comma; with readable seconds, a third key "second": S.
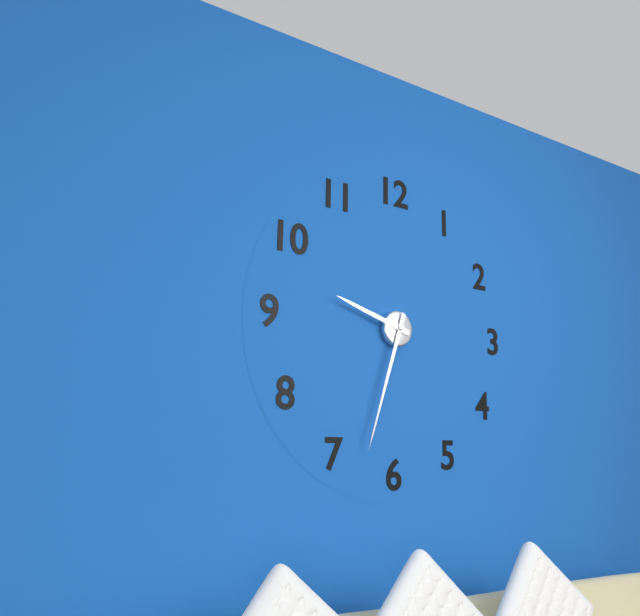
{"hour": 9, "minute": 33}
